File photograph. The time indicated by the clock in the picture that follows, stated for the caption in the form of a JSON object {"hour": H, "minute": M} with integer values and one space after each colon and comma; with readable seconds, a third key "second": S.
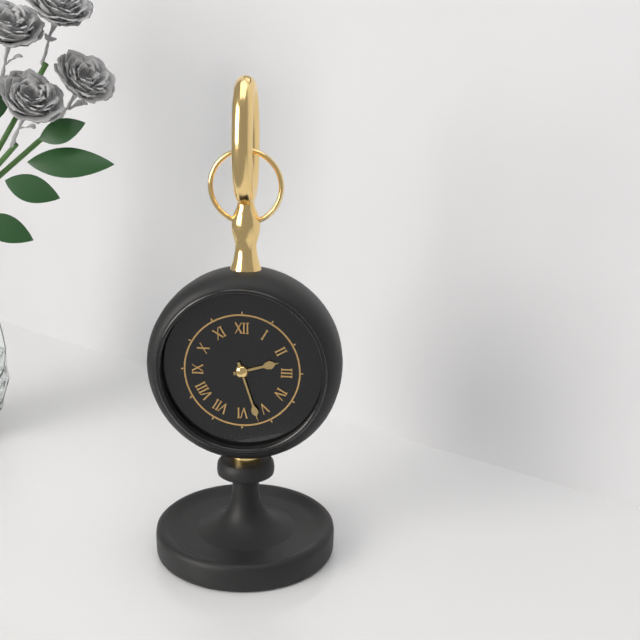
{"hour": 2, "minute": 27}
